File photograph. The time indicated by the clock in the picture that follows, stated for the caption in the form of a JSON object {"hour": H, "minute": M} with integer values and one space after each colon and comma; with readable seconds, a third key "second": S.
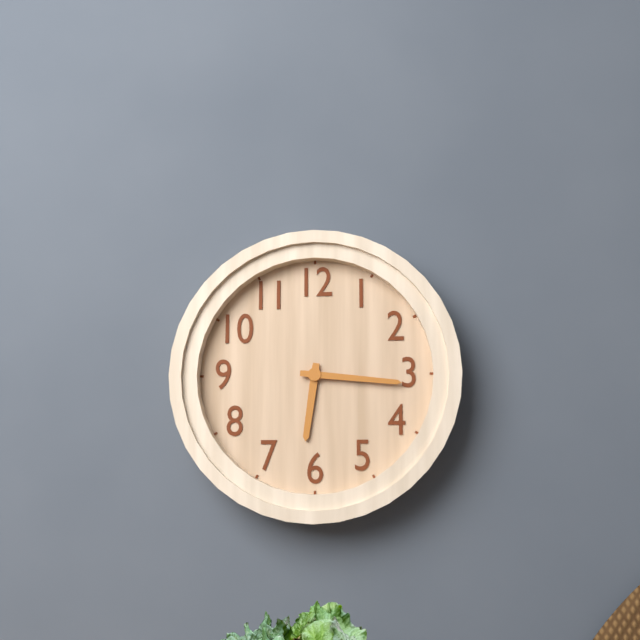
{"hour": 6, "minute": 16}
